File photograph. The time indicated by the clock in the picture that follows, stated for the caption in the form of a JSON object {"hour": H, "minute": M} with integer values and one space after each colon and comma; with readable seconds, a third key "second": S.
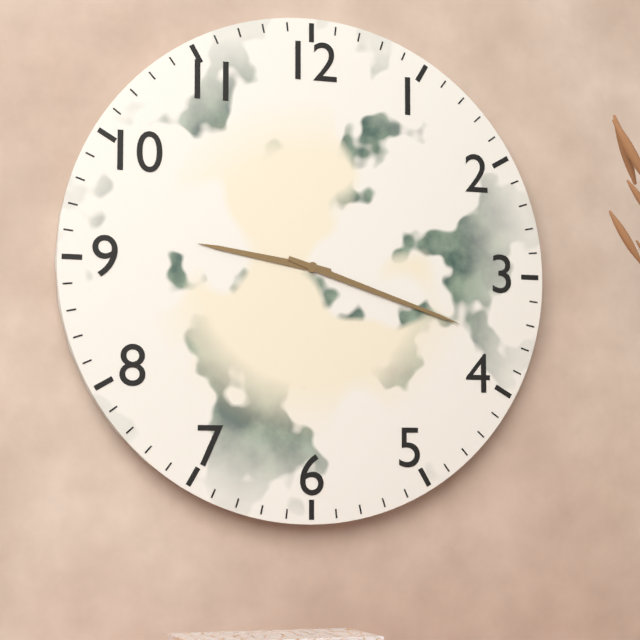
{"hour": 9, "minute": 18}
